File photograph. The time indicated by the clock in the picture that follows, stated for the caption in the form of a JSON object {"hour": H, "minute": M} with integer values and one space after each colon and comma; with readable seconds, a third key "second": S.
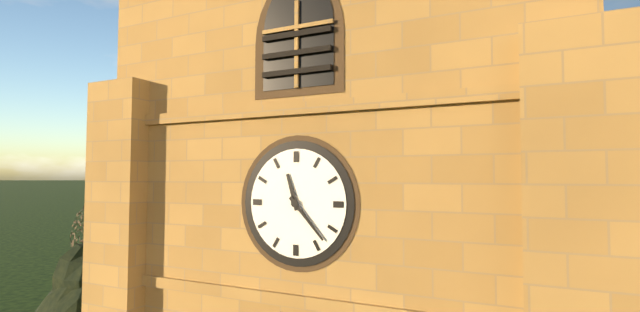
{"hour": 11, "minute": 23}
